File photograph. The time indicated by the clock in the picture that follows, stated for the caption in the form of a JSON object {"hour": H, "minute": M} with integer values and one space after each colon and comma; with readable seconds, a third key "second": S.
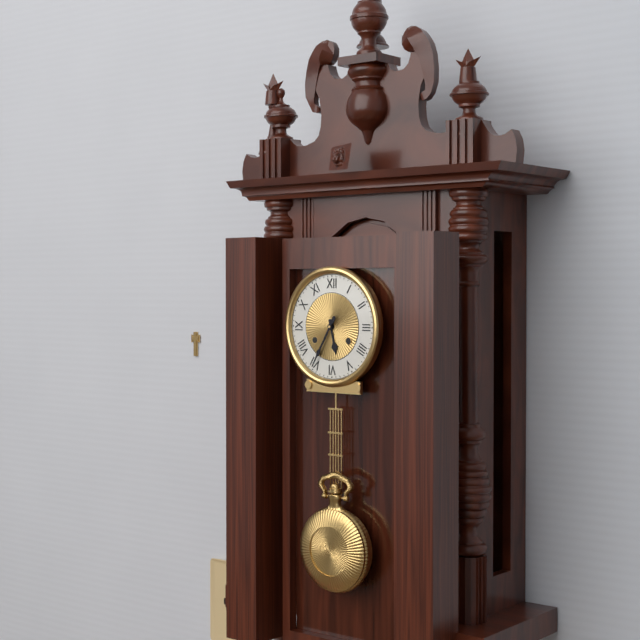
{"hour": 5, "minute": 35}
